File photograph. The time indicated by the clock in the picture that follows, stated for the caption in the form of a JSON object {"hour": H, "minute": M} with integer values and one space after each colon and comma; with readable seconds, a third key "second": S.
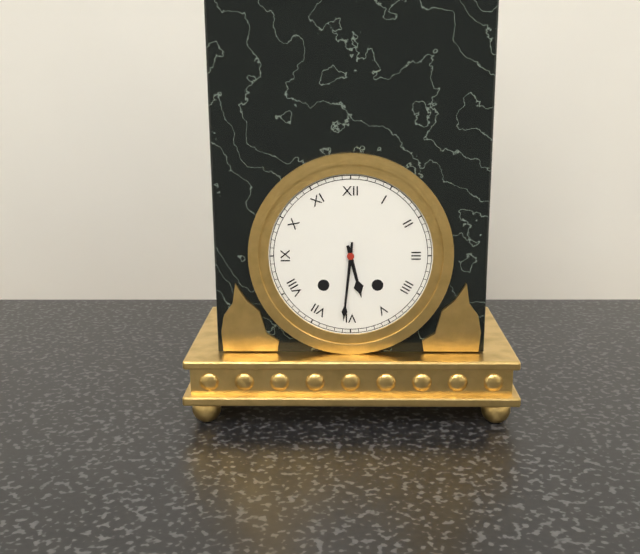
{"hour": 5, "minute": 31}
